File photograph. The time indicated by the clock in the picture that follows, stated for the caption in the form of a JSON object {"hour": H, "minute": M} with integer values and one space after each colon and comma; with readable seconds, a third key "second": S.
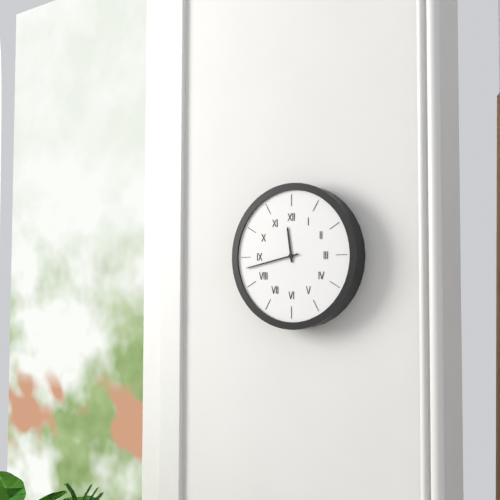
{"hour": 11, "minute": 43}
